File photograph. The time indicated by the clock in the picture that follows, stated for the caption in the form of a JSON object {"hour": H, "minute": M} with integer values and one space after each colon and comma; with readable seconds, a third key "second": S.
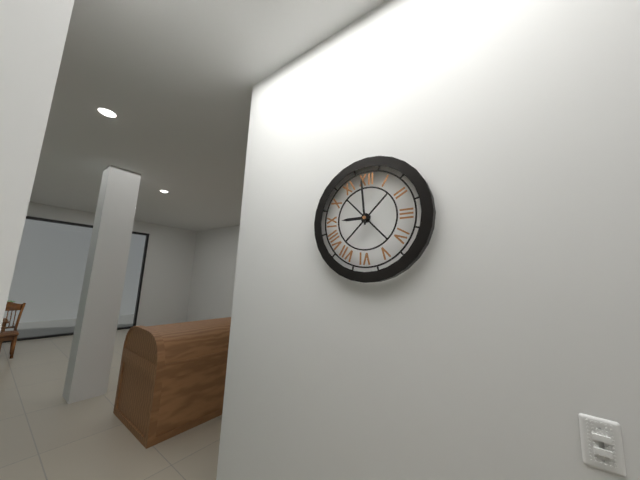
{"hour": 8, "minute": 59}
